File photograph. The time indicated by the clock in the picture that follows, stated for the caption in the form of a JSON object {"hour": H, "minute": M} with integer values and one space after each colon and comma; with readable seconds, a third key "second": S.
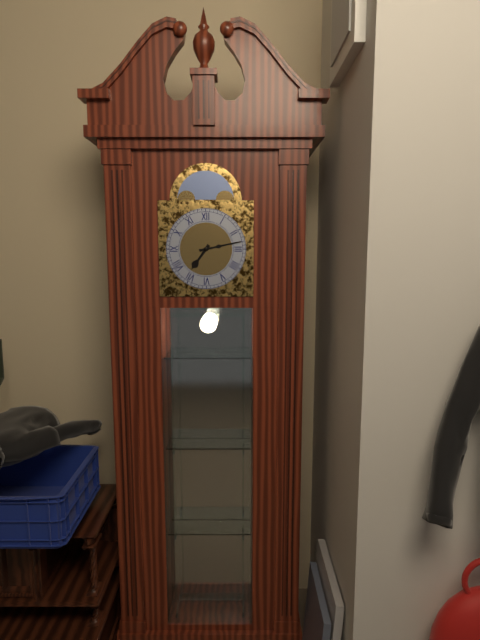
{"hour": 7, "minute": 13}
